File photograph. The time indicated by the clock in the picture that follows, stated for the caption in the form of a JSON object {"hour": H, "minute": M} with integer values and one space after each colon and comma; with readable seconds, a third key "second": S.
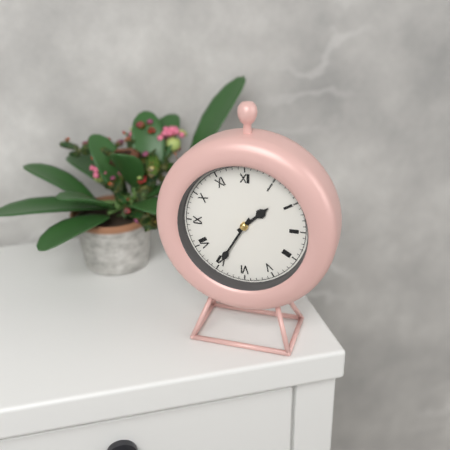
{"hour": 1, "minute": 35}
